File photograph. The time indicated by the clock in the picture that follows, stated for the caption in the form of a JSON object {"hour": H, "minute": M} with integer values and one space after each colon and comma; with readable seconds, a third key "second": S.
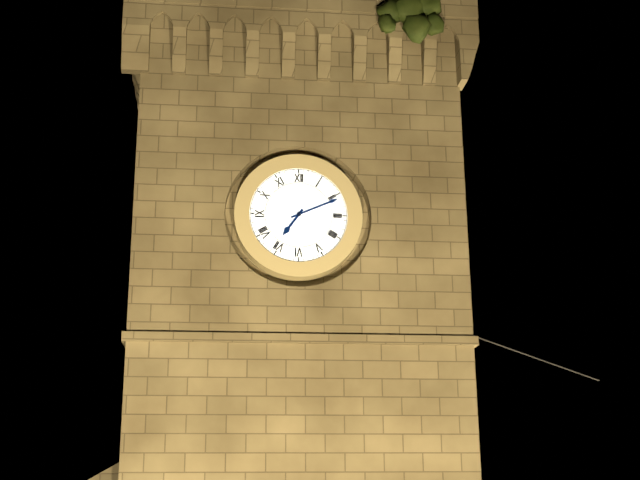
{"hour": 7, "minute": 11}
